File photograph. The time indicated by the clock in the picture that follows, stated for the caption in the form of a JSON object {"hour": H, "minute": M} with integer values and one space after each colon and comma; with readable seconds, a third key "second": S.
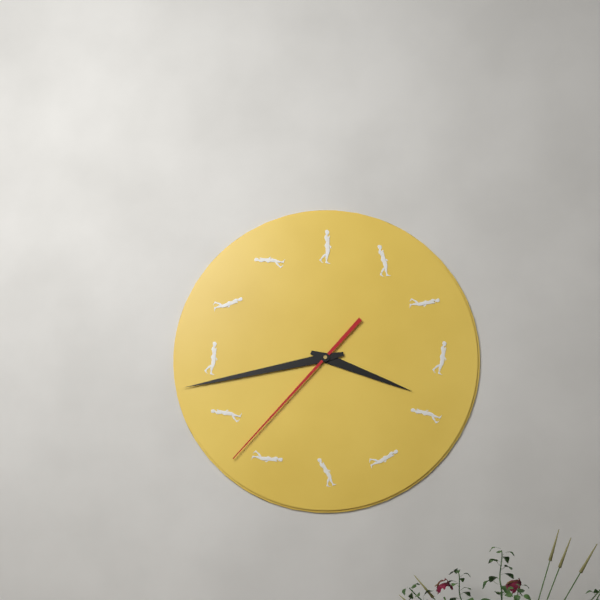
{"hour": 3, "minute": 43, "second": 37}
